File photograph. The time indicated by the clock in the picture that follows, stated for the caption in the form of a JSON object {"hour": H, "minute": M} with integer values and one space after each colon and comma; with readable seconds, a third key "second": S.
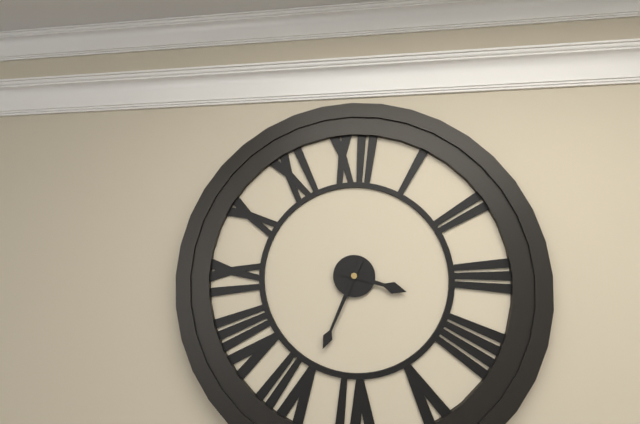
{"hour": 3, "minute": 34}
